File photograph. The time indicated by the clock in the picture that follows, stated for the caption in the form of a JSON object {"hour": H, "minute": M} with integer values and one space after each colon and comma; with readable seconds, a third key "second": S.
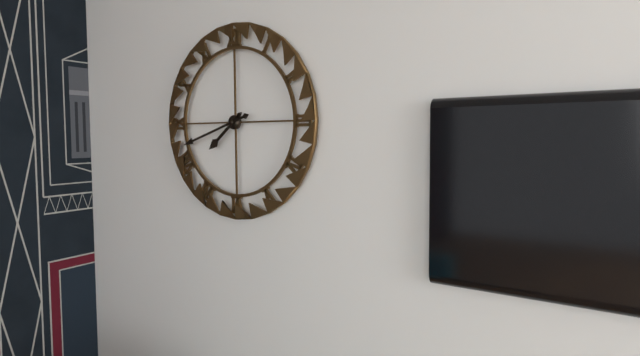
{"hour": 7, "minute": 42}
